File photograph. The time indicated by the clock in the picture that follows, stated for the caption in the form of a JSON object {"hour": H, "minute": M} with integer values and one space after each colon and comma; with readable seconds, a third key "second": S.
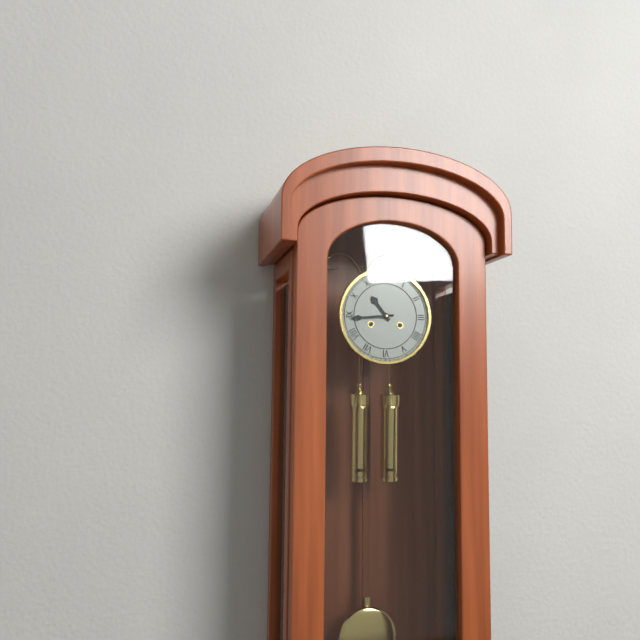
{"hour": 10, "minute": 44}
